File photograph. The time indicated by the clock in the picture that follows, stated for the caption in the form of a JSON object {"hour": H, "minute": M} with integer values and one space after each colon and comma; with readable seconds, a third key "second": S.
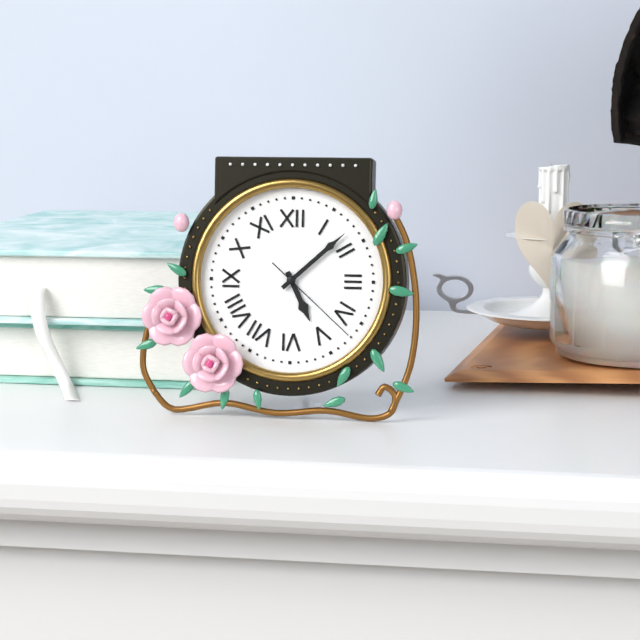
{"hour": 5, "minute": 8, "second": 22}
